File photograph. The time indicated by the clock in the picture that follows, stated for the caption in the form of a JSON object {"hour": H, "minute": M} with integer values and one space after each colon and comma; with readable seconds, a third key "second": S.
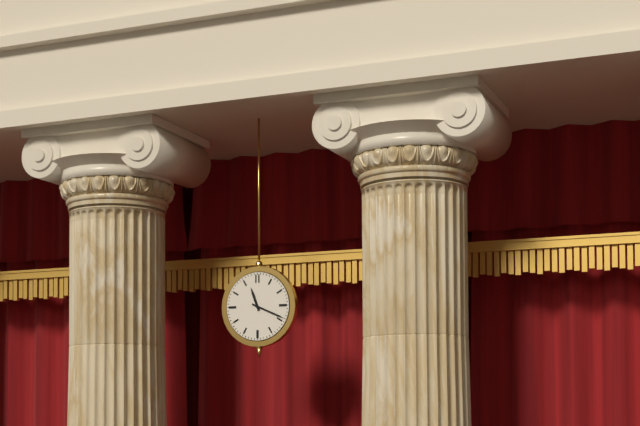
{"hour": 11, "minute": 19}
